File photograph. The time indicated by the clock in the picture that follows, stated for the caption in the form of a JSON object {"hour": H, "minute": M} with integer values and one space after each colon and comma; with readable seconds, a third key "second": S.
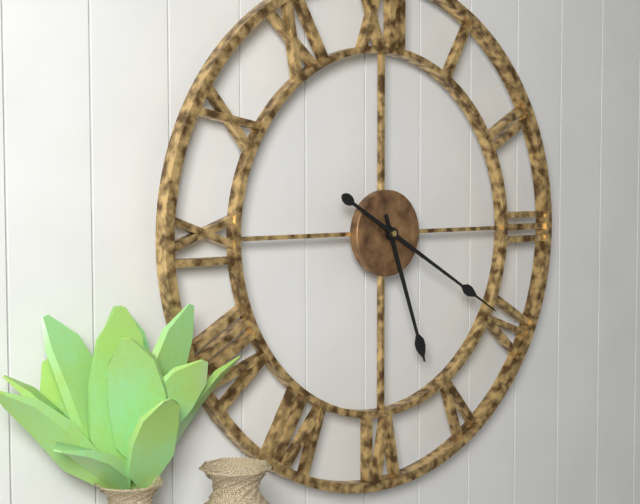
{"hour": 5, "minute": 20}
